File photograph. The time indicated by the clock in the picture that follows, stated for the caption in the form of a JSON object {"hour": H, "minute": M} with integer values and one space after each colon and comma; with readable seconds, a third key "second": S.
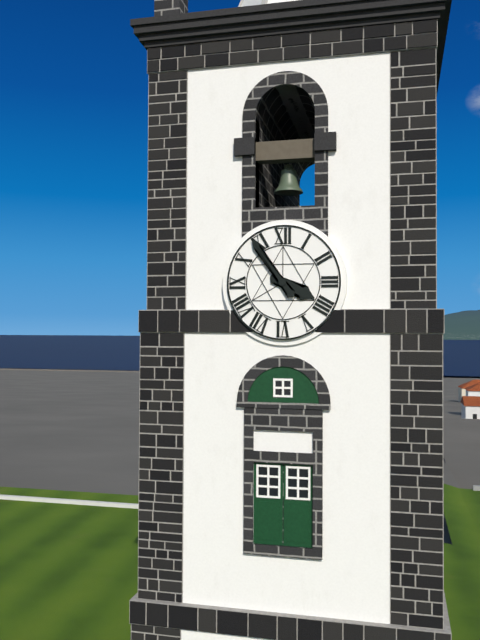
{"hour": 3, "minute": 54}
